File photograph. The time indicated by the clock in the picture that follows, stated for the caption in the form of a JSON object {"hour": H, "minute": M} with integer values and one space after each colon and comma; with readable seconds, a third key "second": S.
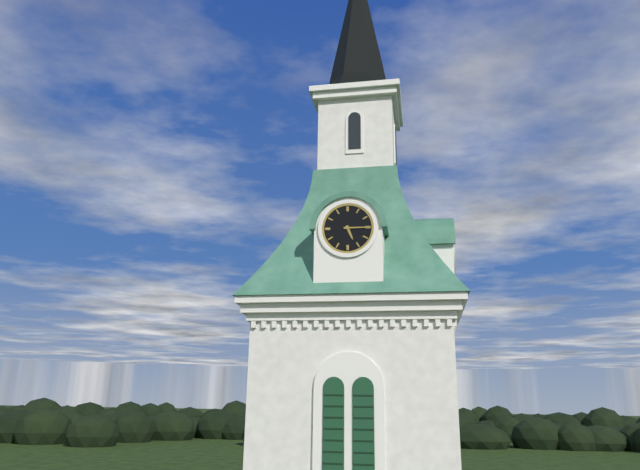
{"hour": 5, "minute": 15}
